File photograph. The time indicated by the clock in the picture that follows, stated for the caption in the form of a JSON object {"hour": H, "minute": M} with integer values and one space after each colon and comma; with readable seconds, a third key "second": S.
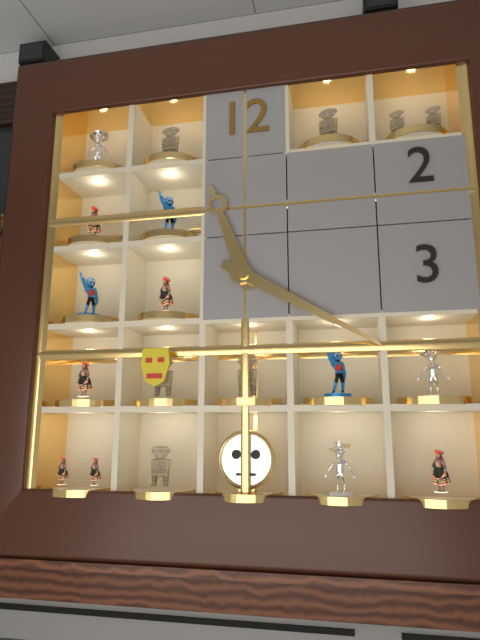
{"hour": 11, "minute": 20}
